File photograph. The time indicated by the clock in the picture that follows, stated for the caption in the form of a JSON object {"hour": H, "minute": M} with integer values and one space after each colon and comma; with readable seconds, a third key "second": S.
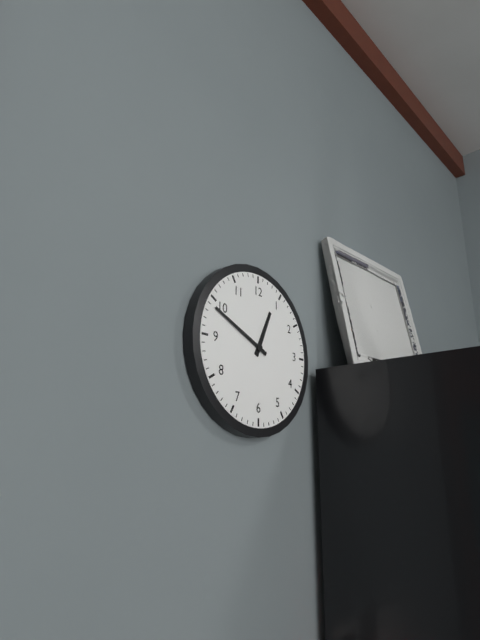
{"hour": 12, "minute": 49}
